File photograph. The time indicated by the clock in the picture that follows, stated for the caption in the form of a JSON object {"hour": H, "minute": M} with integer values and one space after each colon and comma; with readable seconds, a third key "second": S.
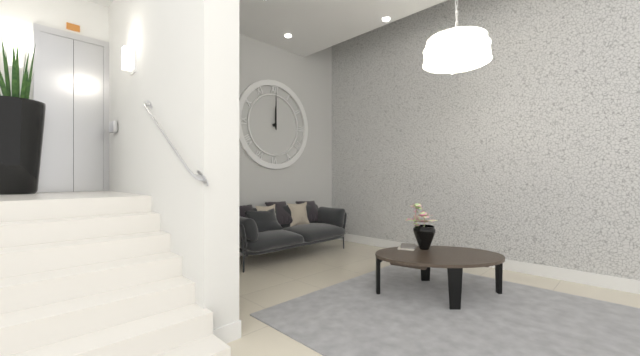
{"hour": 12, "minute": 0}
